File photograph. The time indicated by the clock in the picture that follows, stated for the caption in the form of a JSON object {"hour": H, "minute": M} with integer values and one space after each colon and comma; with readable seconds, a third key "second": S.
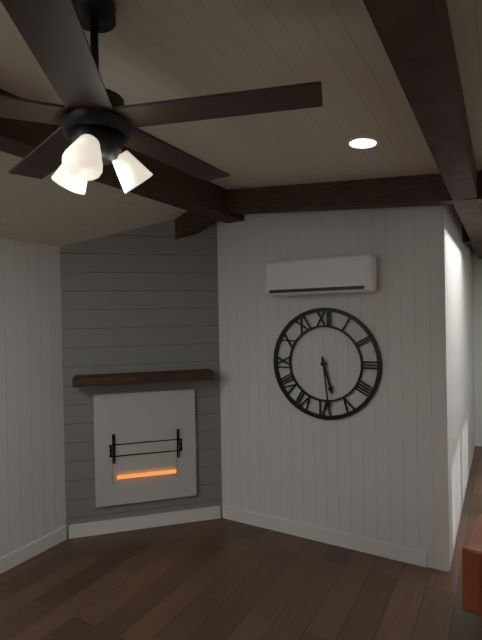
{"hour": 5, "minute": 29}
